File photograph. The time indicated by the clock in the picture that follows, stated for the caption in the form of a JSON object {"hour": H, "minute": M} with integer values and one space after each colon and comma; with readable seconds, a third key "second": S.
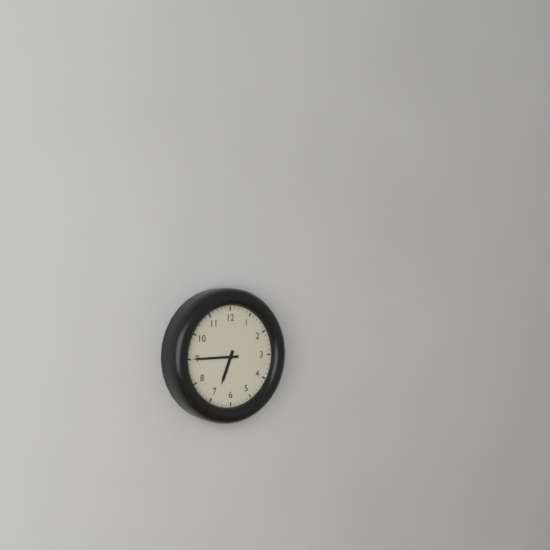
{"hour": 6, "minute": 45}
